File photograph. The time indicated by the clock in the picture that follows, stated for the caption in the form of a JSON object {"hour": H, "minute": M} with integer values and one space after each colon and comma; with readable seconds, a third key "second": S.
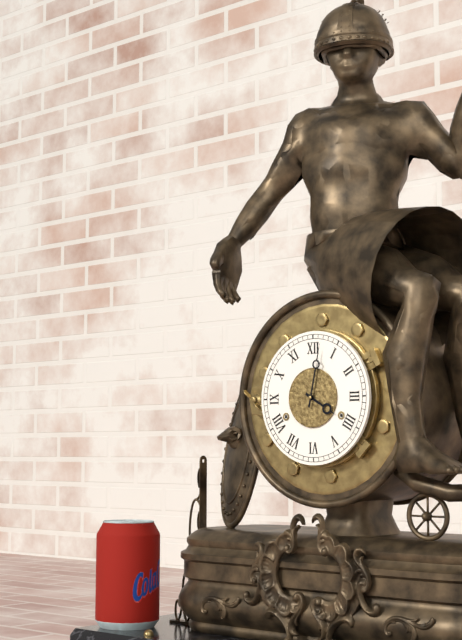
{"hour": 4, "minute": 2}
